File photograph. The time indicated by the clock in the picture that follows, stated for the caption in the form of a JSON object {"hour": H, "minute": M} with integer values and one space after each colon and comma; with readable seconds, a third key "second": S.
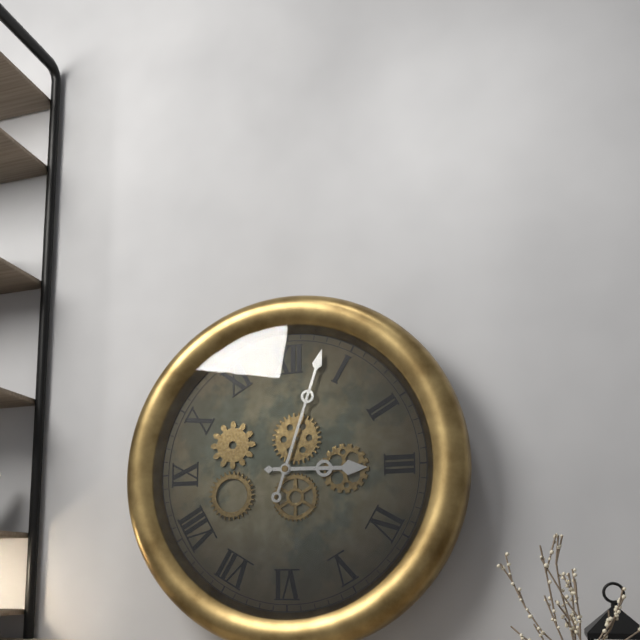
{"hour": 3, "minute": 3}
